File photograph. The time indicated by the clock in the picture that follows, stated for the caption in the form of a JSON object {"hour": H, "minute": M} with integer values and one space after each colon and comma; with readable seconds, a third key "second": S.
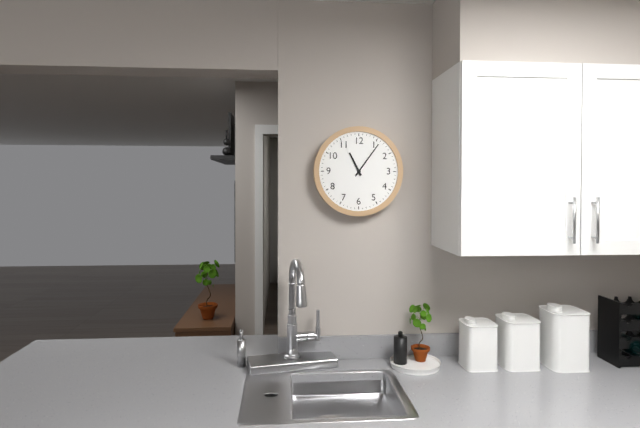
{"hour": 11, "minute": 6}
